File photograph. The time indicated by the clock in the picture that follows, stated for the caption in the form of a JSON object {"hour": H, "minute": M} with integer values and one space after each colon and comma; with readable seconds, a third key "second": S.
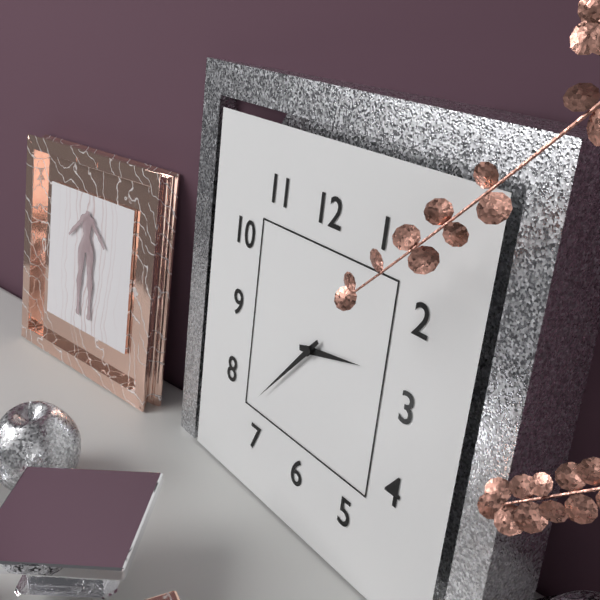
{"hour": 2, "minute": 37}
